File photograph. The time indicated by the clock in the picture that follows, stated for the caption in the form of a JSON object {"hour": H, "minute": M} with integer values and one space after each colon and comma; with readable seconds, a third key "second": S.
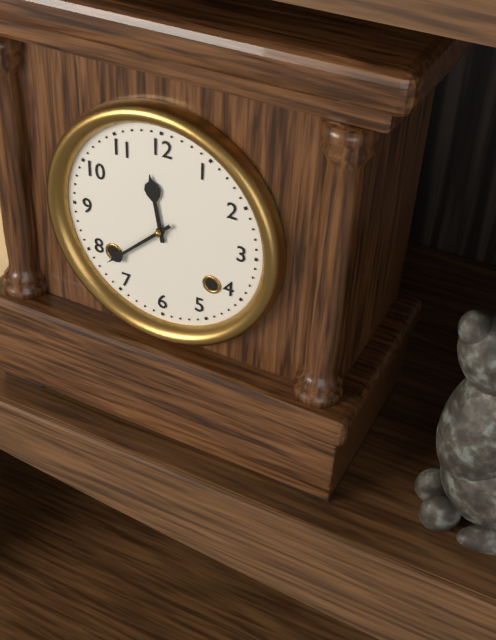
{"hour": 11, "minute": 38}
